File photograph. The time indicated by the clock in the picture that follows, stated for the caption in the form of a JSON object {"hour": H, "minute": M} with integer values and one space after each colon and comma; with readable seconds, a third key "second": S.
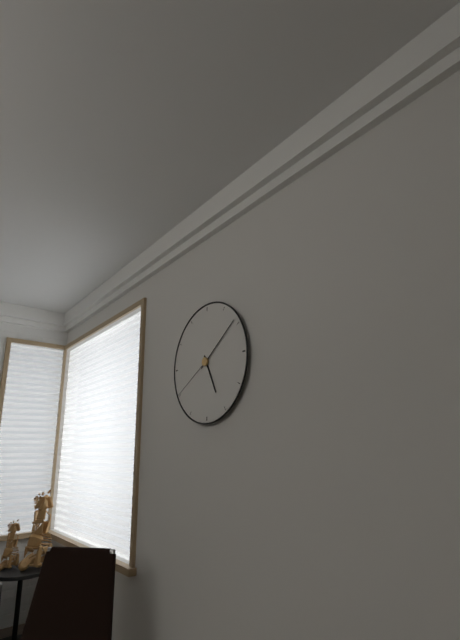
{"hour": 5, "minute": 9, "second": 40}
